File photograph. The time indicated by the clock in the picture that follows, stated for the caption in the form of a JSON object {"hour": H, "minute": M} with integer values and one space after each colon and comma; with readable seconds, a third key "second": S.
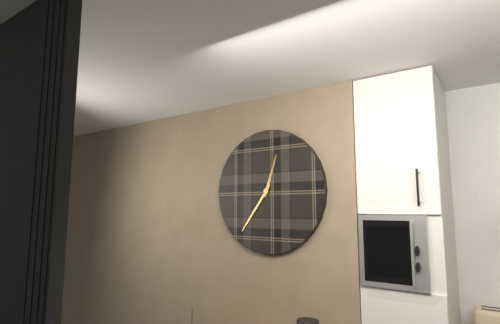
{"hour": 12, "minute": 36}
